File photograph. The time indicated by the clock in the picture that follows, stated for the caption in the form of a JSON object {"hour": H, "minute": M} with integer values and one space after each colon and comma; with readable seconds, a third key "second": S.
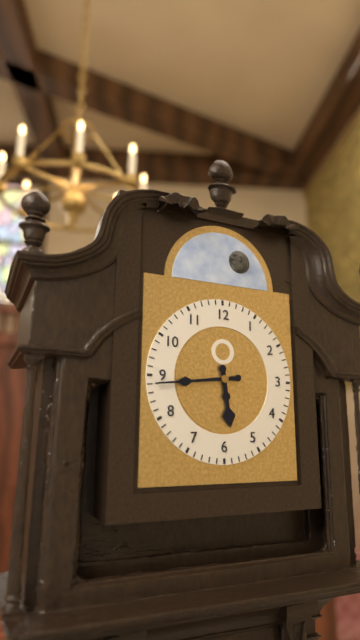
{"hour": 5, "minute": 44}
